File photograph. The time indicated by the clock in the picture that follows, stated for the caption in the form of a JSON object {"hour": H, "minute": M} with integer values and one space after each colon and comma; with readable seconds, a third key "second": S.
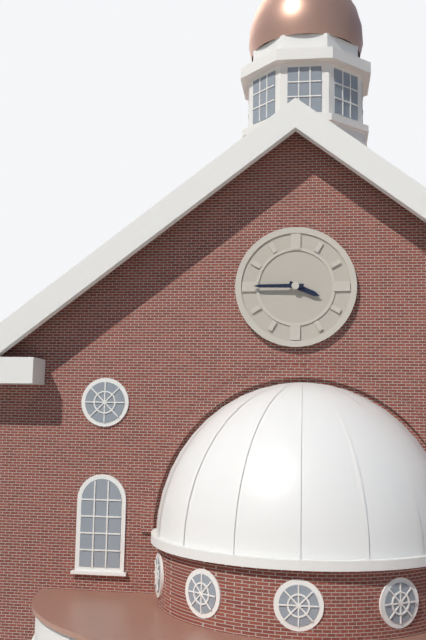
{"hour": 3, "minute": 45}
